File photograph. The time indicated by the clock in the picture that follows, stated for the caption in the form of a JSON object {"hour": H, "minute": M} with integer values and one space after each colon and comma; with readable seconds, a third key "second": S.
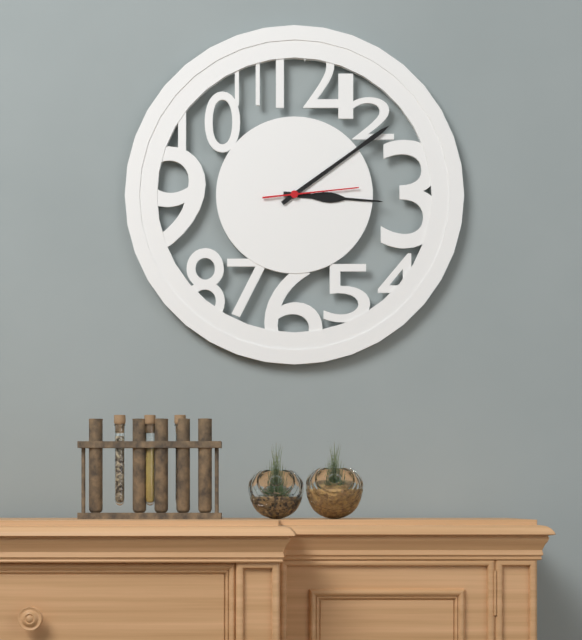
{"hour": 3, "minute": 9, "second": 14}
